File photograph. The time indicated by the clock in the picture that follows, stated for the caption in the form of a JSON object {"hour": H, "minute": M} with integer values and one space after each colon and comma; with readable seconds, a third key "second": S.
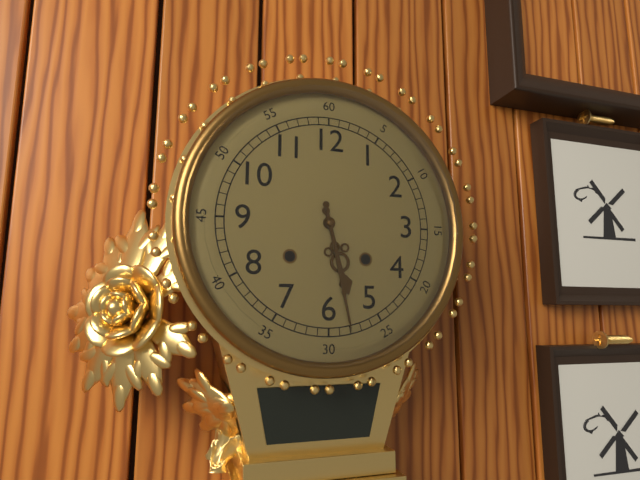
{"hour": 5, "minute": 28}
